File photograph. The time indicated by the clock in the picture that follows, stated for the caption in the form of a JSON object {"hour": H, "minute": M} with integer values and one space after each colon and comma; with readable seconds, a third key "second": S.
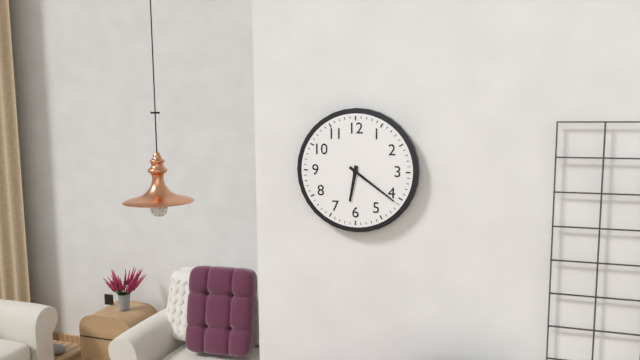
{"hour": 6, "minute": 21}
